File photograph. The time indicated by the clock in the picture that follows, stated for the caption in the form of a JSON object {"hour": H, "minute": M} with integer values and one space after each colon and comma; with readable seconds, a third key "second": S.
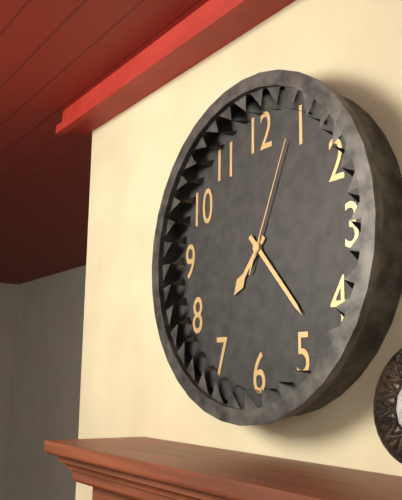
{"hour": 7, "minute": 23, "second": 4}
